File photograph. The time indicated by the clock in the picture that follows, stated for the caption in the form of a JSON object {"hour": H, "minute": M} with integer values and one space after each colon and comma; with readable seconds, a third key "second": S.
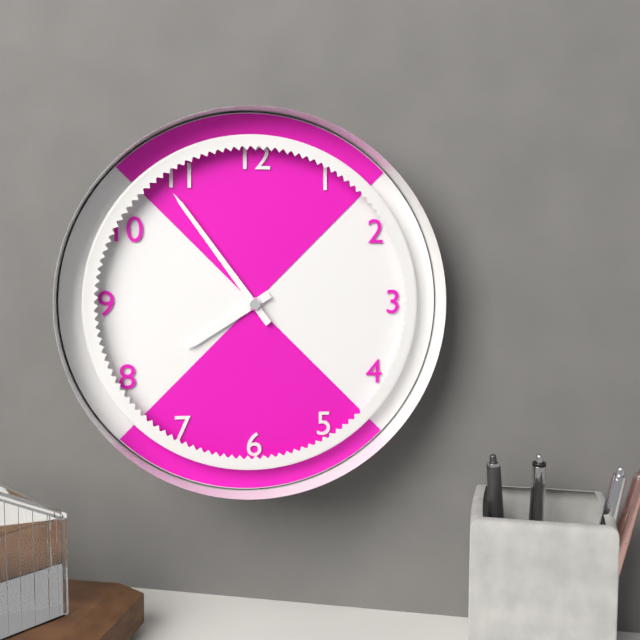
{"hour": 7, "minute": 54}
